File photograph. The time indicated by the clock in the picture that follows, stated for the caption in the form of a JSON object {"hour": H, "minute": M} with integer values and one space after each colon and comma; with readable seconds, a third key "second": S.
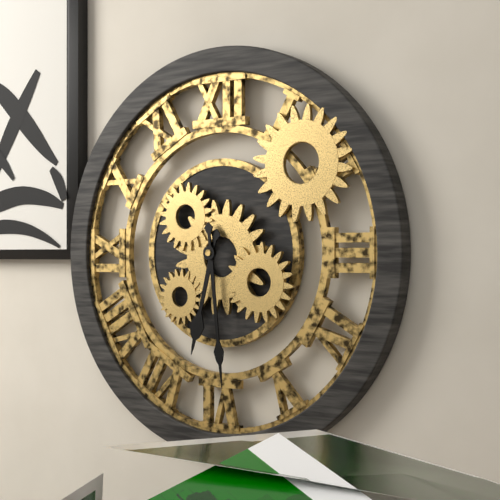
{"hour": 6, "minute": 29}
